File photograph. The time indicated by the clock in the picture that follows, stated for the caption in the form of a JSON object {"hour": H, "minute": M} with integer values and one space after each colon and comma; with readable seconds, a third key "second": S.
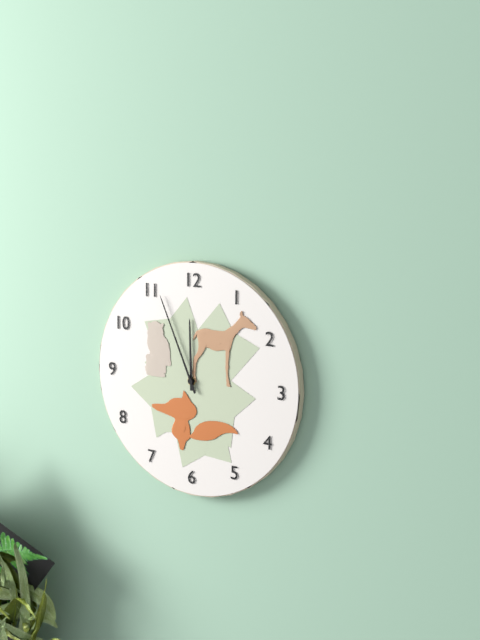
{"hour": 11, "minute": 56}
